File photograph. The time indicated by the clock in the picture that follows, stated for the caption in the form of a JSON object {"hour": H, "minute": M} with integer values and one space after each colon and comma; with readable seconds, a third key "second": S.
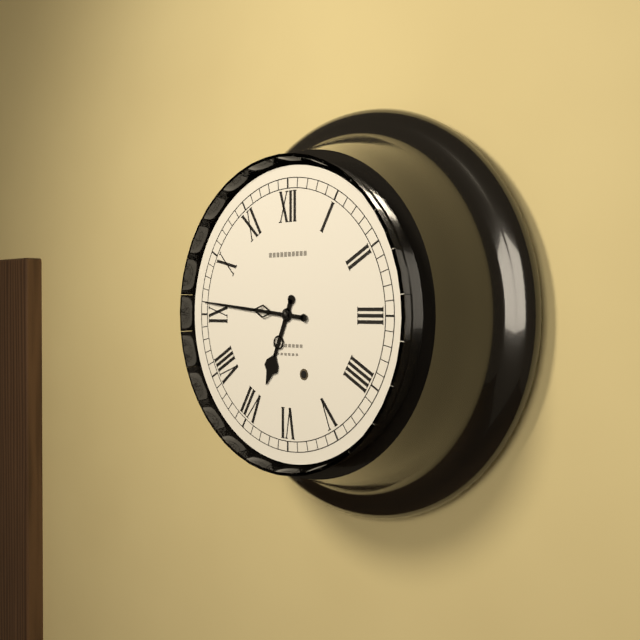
{"hour": 6, "minute": 46}
